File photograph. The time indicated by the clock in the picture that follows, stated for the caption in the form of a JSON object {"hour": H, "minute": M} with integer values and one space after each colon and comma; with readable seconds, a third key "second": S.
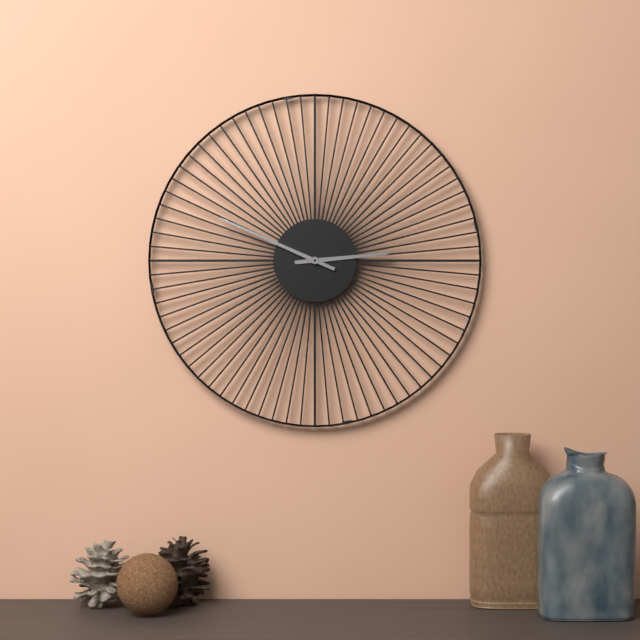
{"hour": 2, "minute": 49}
